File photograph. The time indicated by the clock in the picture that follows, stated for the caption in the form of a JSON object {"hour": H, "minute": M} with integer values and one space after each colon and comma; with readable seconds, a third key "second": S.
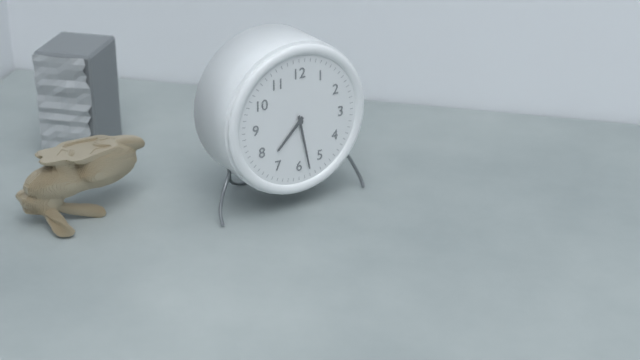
{"hour": 7, "minute": 28}
